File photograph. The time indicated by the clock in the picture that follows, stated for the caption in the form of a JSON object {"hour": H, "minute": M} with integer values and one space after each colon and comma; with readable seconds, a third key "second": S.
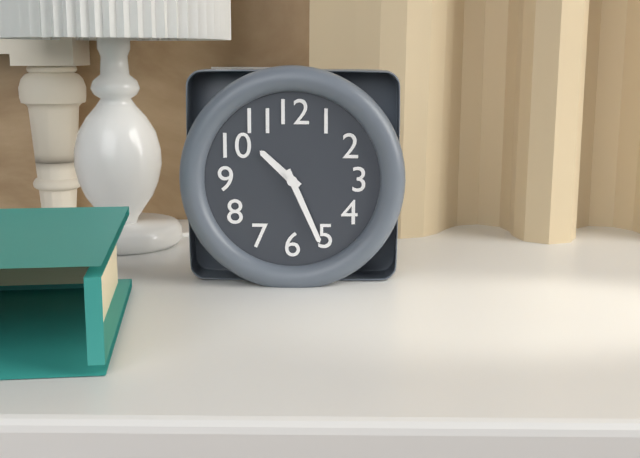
{"hour": 10, "minute": 26}
